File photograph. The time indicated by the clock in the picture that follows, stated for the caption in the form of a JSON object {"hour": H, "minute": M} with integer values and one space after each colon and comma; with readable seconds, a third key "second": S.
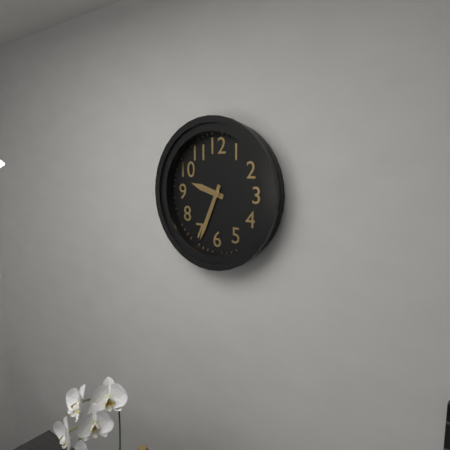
{"hour": 9, "minute": 34}
